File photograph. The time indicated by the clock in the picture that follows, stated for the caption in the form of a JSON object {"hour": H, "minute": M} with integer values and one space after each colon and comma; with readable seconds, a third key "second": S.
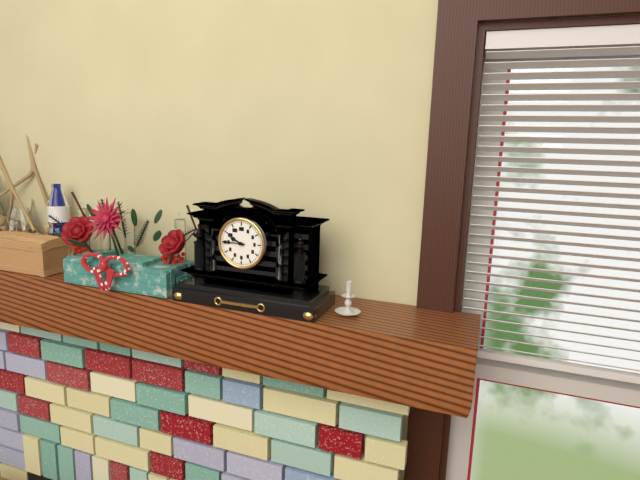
{"hour": 9, "minute": 45}
